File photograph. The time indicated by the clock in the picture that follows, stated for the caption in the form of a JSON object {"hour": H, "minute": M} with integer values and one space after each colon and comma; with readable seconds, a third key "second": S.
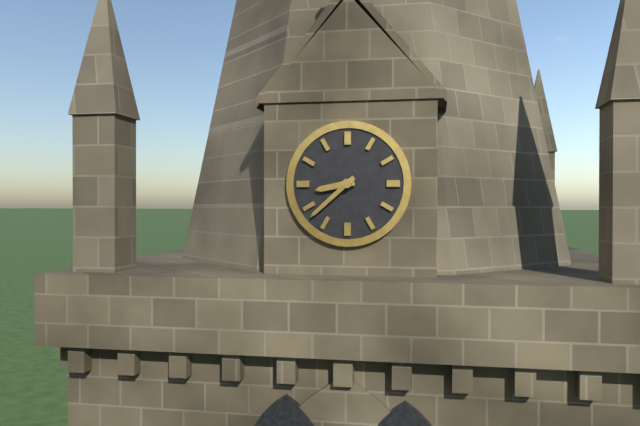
{"hour": 8, "minute": 38}
